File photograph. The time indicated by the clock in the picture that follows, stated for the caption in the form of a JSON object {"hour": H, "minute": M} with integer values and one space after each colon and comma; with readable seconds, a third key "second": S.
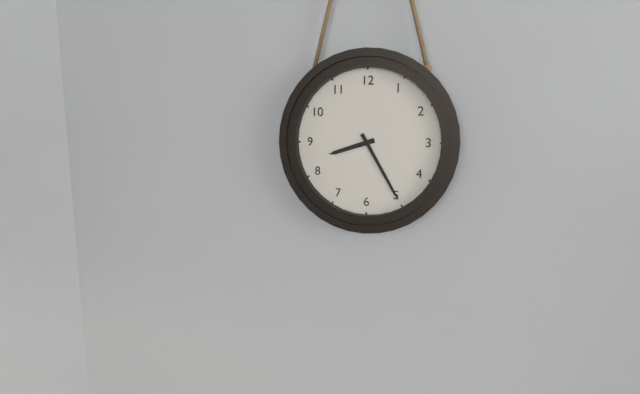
{"hour": 8, "minute": 25}
